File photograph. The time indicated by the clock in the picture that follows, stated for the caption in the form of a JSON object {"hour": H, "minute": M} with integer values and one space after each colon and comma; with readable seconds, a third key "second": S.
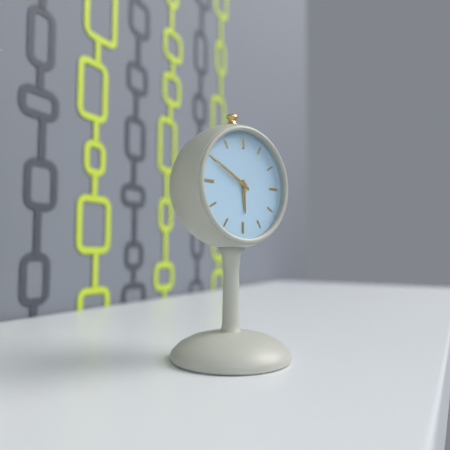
{"hour": 5, "minute": 50}
